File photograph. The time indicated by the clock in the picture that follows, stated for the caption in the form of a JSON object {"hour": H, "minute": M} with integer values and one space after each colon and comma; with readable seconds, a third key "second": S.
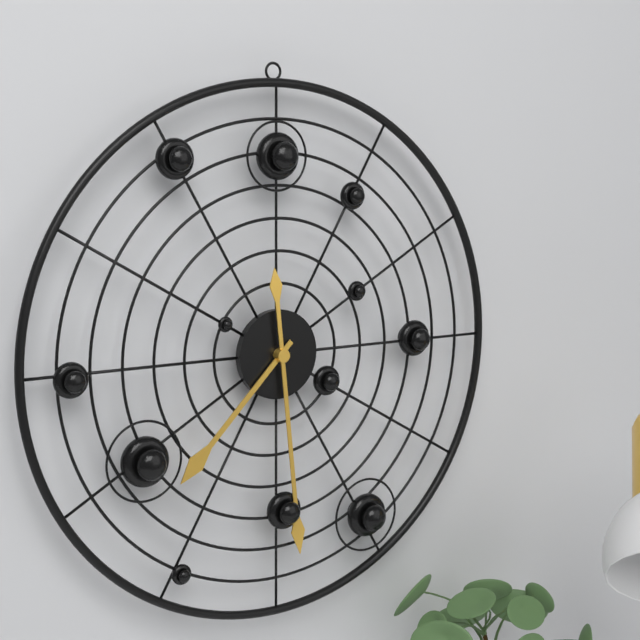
{"hour": 7, "minute": 29}
